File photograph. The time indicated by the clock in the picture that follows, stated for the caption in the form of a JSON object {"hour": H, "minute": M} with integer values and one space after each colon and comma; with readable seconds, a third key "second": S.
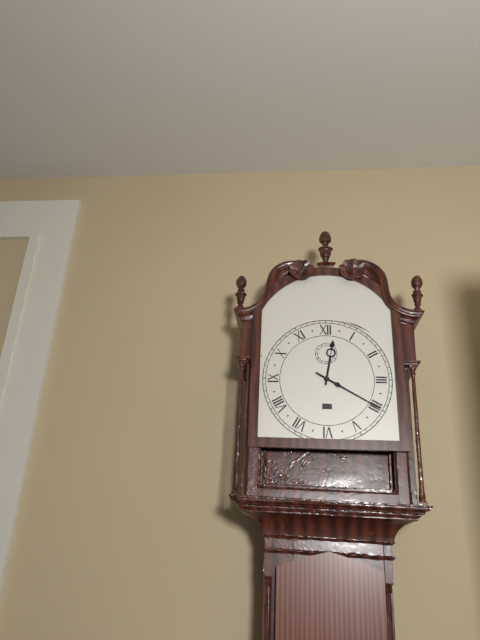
{"hour": 12, "minute": 20}
